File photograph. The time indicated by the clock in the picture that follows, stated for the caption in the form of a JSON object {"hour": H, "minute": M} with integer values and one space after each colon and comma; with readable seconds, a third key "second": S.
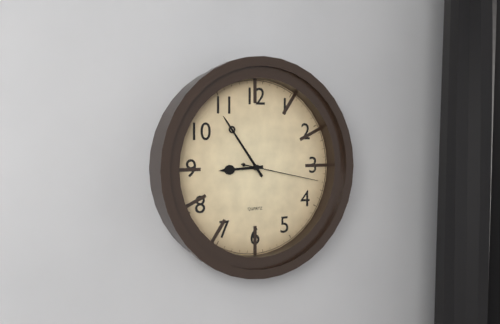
{"hour": 8, "minute": 54, "second": 17}
